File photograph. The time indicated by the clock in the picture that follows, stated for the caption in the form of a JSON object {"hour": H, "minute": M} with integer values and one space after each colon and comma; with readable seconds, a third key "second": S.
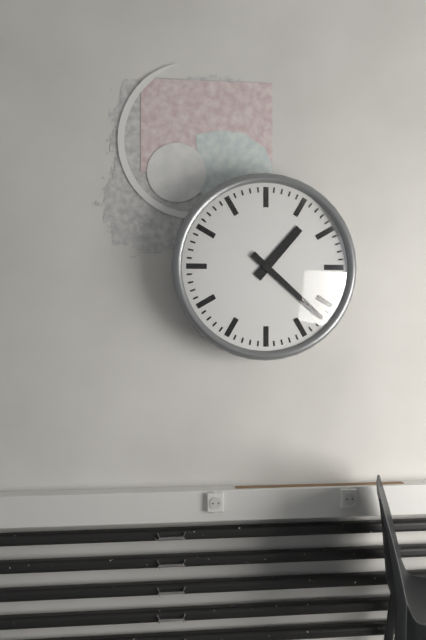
{"hour": 1, "minute": 22}
